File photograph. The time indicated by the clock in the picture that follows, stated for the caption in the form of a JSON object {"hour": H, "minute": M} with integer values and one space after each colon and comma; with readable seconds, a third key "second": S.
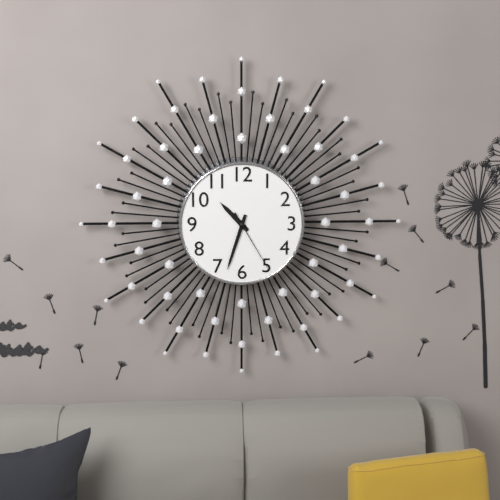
{"hour": 10, "minute": 33, "second": 25}
